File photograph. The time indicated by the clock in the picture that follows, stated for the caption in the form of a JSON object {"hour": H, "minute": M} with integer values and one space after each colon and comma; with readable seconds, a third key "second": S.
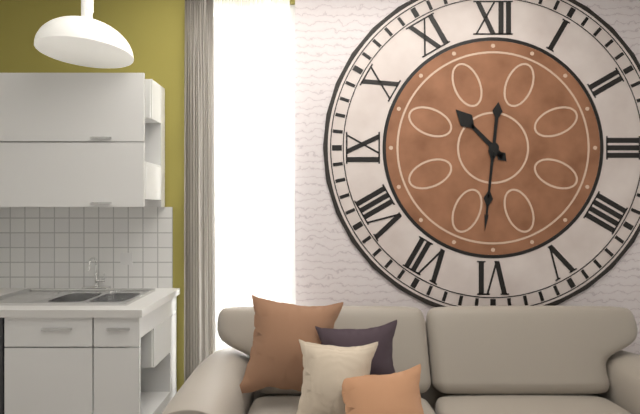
{"hour": 10, "minute": 31}
